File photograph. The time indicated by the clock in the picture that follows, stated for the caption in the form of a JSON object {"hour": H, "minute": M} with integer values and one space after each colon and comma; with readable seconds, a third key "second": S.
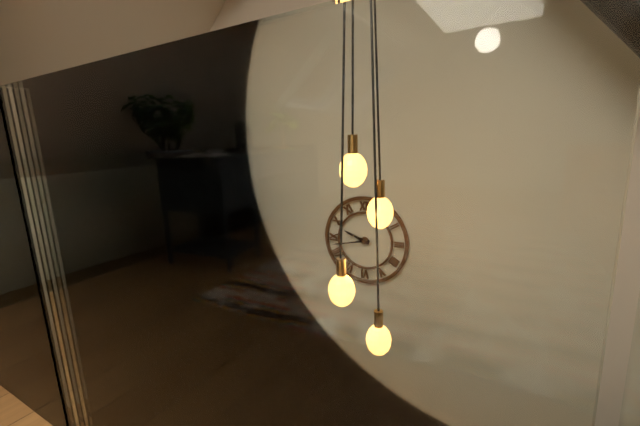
{"hour": 9, "minute": 43}
